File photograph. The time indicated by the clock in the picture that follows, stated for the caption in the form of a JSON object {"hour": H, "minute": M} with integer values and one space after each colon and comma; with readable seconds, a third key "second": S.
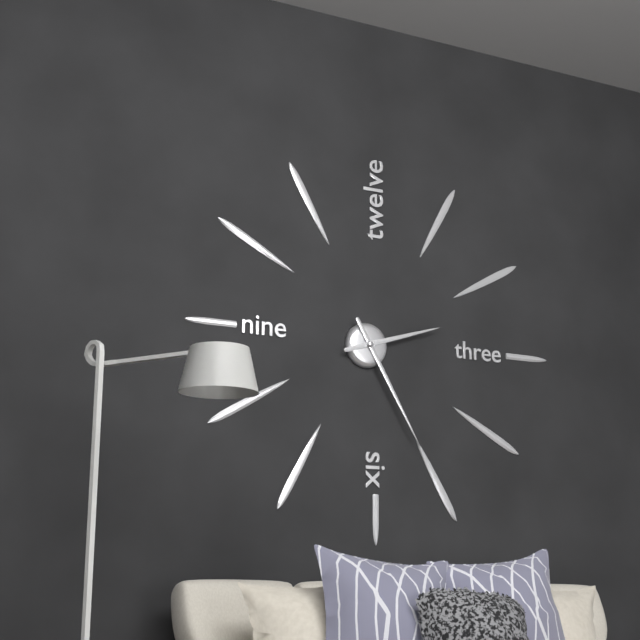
{"hour": 2, "minute": 25}
